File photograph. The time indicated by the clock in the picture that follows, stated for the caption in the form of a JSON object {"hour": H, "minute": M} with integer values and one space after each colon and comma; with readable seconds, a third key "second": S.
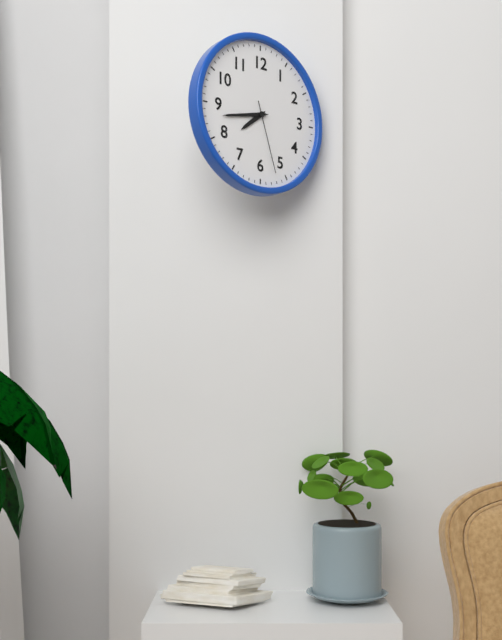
{"hour": 7, "minute": 43, "second": 27}
